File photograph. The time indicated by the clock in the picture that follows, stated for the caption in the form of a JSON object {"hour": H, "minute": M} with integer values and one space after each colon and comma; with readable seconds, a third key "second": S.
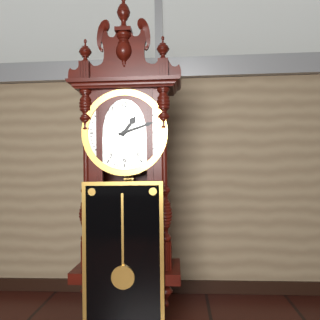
{"hour": 1, "minute": 12}
